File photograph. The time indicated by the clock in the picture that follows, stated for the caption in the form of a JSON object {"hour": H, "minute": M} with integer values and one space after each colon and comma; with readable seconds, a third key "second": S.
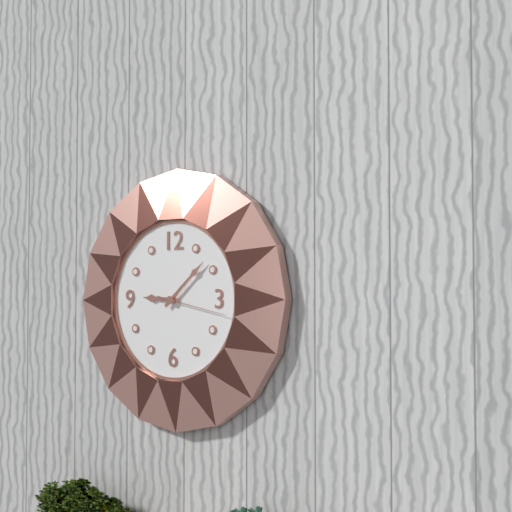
{"hour": 9, "minute": 8, "second": 17}
